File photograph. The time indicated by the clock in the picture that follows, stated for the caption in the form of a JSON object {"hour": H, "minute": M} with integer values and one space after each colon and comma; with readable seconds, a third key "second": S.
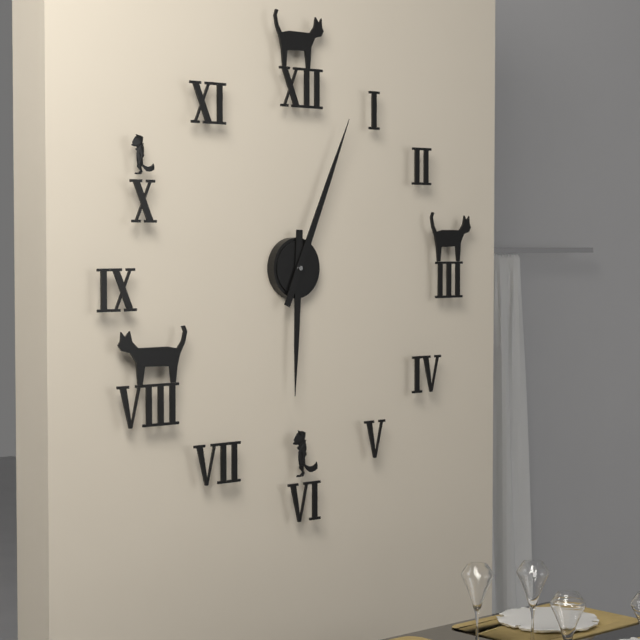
{"hour": 6, "minute": 4}
